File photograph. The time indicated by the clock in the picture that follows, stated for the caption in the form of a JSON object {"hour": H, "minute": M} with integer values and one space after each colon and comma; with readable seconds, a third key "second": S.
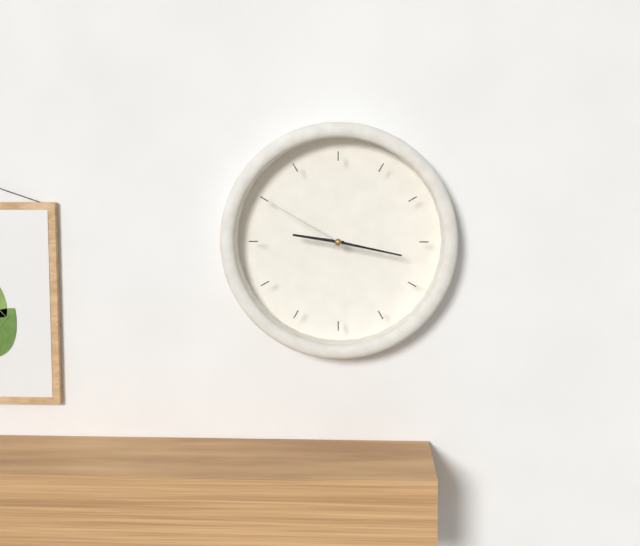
{"hour": 9, "minute": 17, "second": 50}
